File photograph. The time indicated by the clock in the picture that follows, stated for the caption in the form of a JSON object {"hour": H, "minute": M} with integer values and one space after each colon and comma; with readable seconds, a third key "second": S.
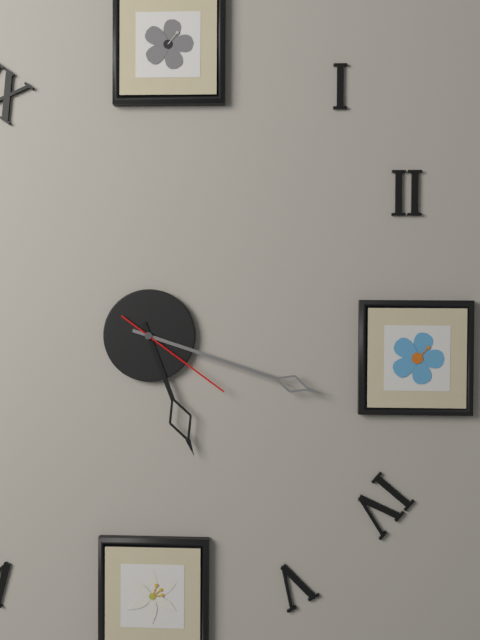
{"hour": 5, "minute": 18, "second": 21}
